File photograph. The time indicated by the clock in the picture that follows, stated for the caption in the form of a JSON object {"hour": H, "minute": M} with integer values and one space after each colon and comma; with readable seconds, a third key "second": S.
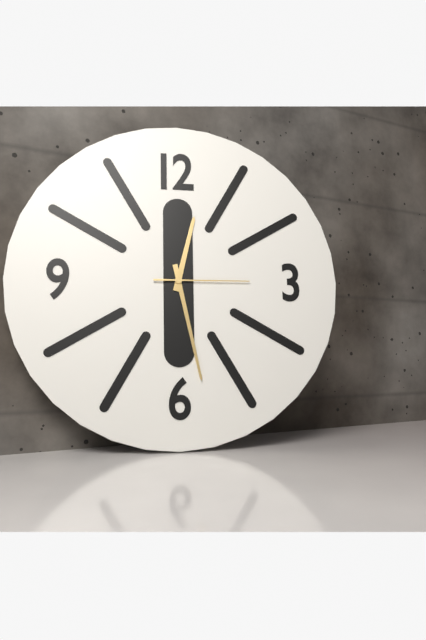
{"hour": 12, "minute": 28, "second": 15}
